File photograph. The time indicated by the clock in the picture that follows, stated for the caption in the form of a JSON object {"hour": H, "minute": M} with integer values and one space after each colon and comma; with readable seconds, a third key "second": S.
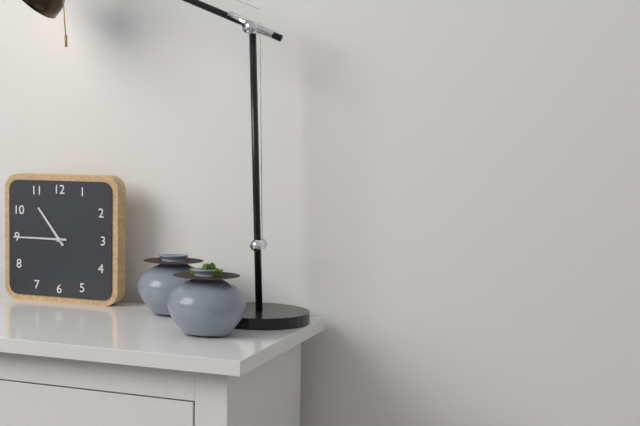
{"hour": 10, "minute": 45}
